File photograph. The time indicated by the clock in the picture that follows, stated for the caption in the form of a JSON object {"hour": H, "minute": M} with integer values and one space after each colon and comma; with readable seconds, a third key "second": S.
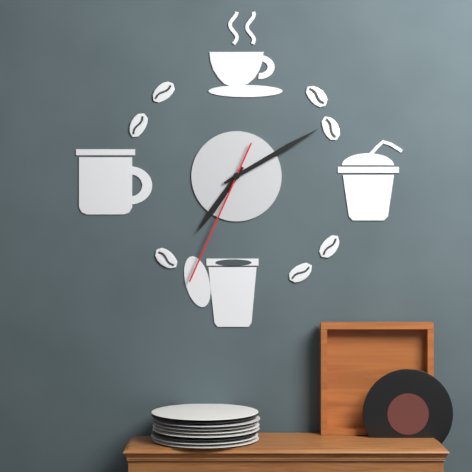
{"hour": 7, "minute": 10, "second": 34}
